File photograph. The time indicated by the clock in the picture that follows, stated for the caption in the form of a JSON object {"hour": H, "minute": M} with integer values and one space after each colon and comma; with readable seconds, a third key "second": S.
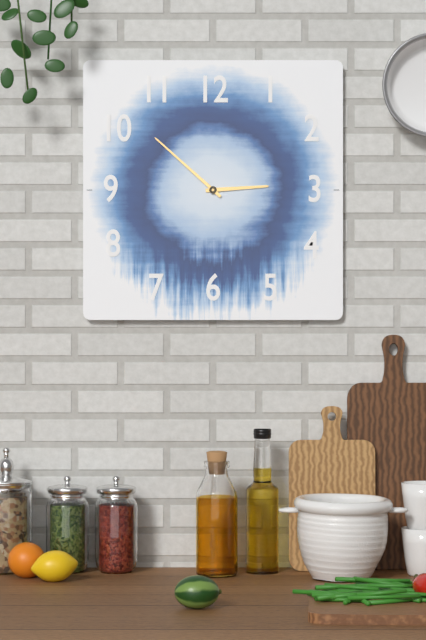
{"hour": 2, "minute": 52}
